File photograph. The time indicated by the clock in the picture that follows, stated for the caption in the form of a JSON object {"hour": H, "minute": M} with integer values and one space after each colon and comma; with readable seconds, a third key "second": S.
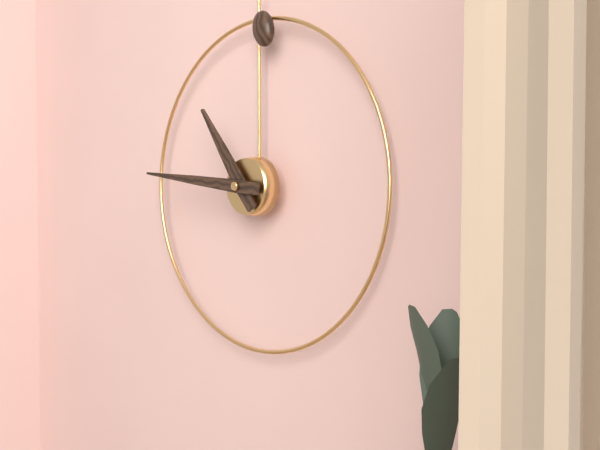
{"hour": 10, "minute": 46}
